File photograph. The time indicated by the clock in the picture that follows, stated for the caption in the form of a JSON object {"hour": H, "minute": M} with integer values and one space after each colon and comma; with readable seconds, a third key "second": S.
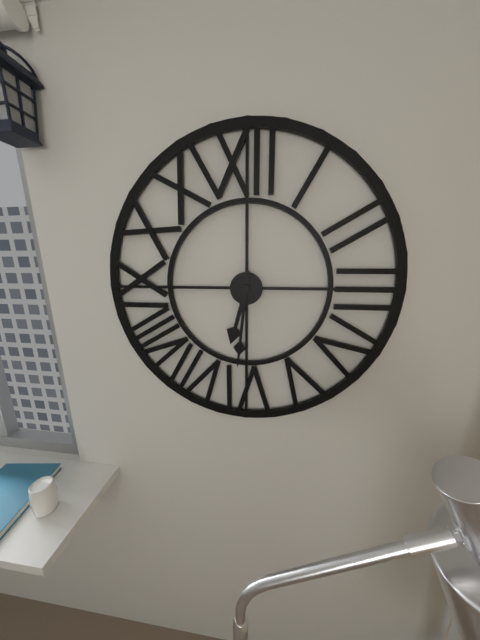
{"hour": 6, "minute": 31}
